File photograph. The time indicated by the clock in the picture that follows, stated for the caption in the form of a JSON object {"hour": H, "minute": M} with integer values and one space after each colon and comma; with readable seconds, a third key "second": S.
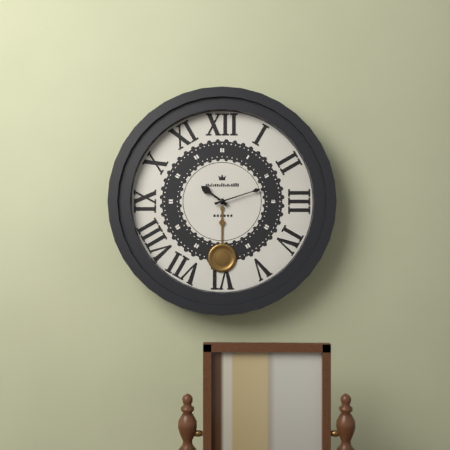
{"hour": 10, "minute": 12}
